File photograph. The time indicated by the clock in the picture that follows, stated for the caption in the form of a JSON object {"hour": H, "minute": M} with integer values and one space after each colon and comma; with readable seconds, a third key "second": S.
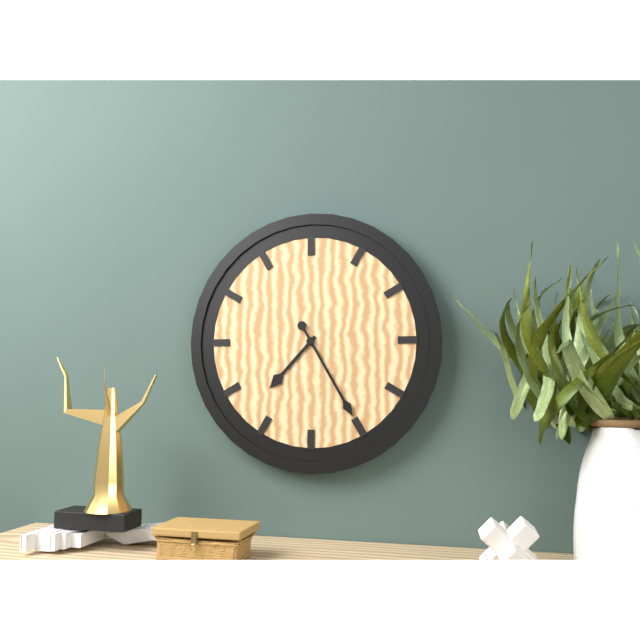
{"hour": 7, "minute": 25}
